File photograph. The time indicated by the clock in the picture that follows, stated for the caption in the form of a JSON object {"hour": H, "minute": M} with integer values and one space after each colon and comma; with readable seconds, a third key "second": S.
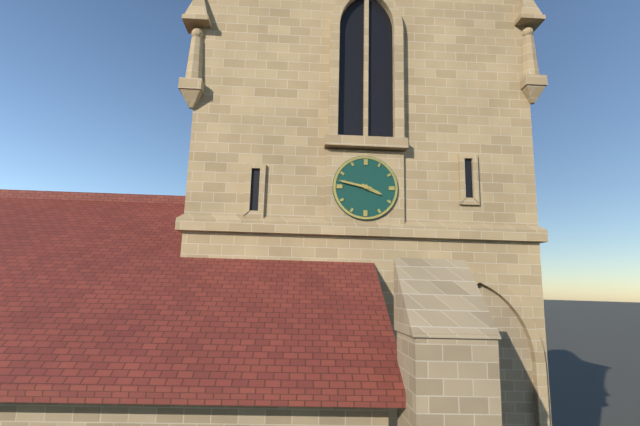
{"hour": 3, "minute": 47}
